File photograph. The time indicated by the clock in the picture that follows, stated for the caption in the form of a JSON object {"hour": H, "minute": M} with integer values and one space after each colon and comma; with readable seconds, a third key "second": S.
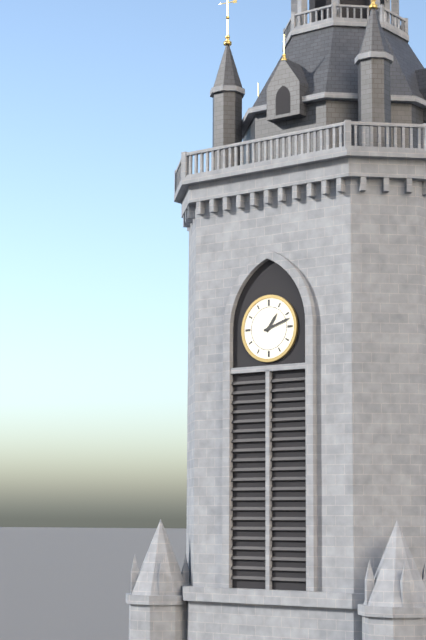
{"hour": 1, "minute": 12}
